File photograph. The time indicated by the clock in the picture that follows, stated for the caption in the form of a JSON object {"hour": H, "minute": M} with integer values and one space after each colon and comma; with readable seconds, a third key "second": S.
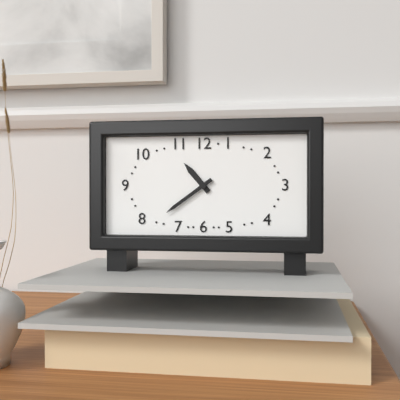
{"hour": 10, "minute": 39}
